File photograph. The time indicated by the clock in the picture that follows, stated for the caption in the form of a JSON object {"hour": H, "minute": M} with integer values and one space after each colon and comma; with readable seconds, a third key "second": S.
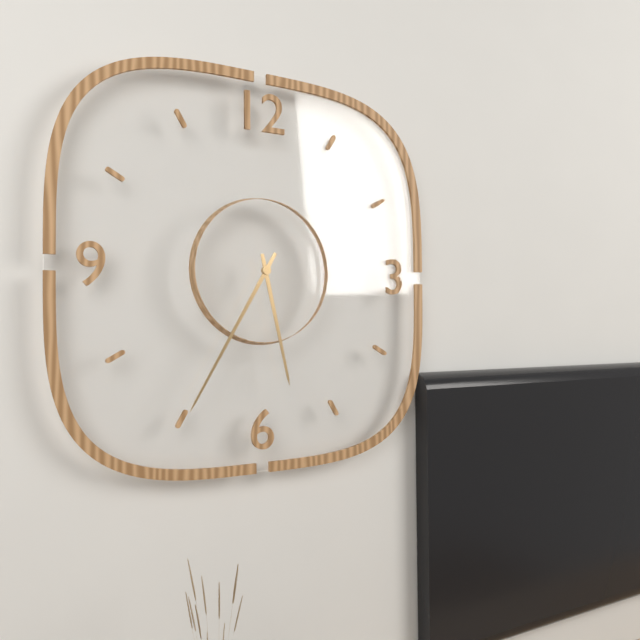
{"hour": 5, "minute": 35}
